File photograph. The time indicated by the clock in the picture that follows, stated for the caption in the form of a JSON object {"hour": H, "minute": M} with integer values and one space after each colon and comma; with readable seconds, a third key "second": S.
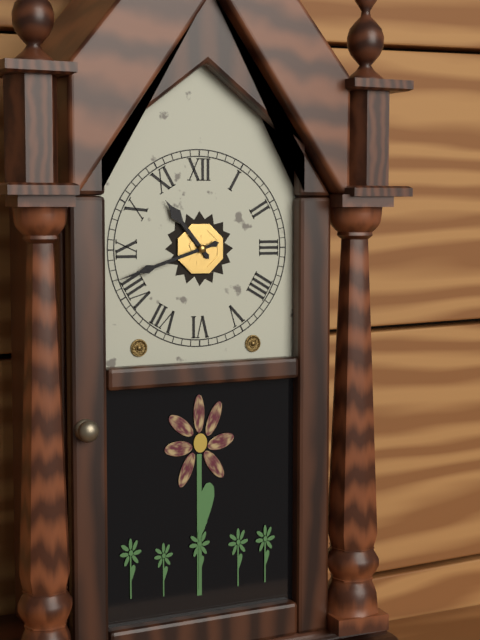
{"hour": 10, "minute": 42}
